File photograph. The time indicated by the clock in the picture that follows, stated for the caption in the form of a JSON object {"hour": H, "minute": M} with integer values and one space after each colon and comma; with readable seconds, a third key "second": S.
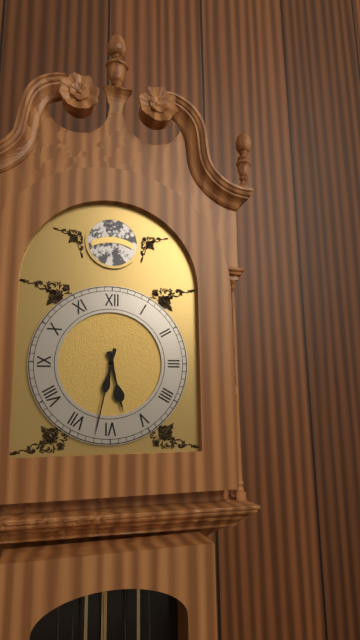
{"hour": 5, "minute": 32}
